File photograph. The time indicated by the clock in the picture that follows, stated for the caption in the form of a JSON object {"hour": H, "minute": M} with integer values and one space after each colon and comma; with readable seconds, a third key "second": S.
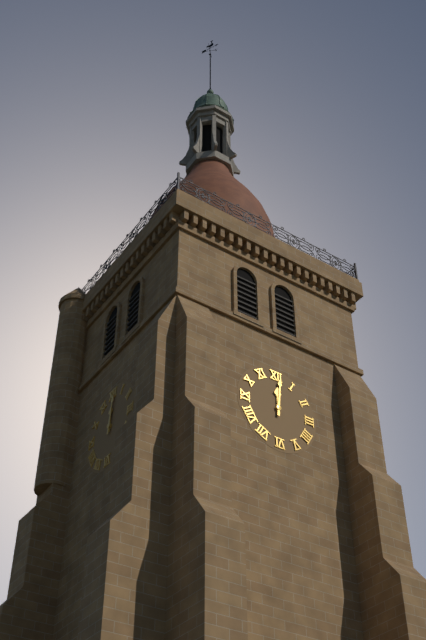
{"hour": 12, "minute": 1}
